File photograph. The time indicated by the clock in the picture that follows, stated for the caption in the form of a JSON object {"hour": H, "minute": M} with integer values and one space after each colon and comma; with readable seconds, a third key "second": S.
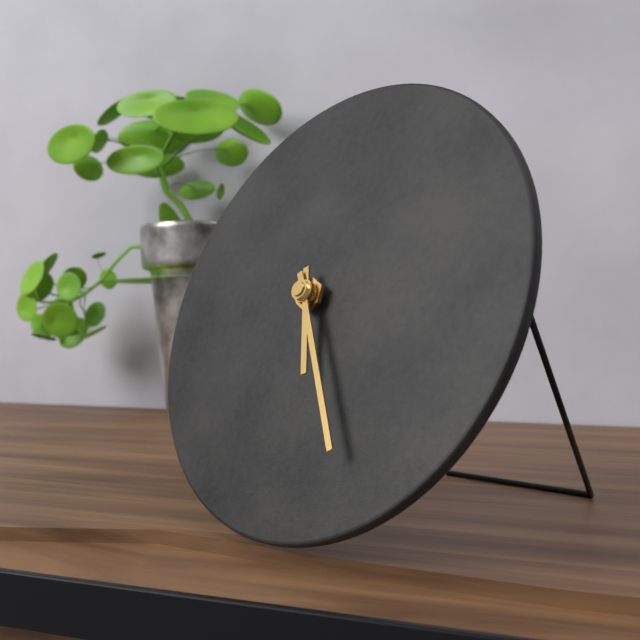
{"hour": 5, "minute": 25}
